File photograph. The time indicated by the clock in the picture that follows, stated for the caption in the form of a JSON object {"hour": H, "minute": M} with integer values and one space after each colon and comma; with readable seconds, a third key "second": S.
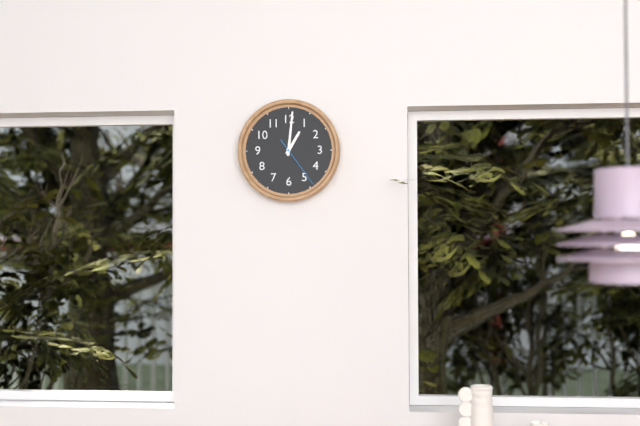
{"hour": 1, "minute": 1, "second": 24}
